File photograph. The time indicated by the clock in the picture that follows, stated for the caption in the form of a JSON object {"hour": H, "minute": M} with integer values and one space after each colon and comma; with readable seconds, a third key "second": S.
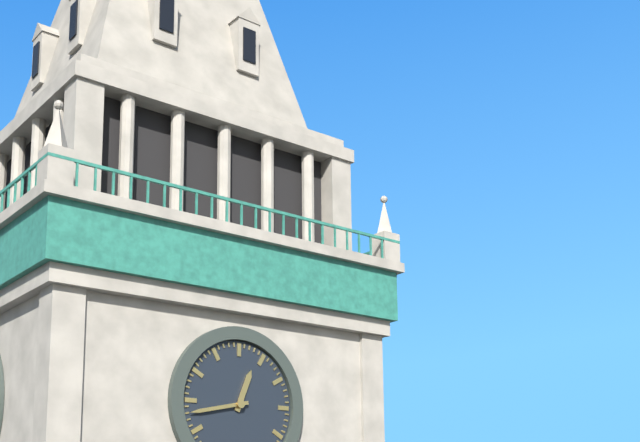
{"hour": 12, "minute": 43}
